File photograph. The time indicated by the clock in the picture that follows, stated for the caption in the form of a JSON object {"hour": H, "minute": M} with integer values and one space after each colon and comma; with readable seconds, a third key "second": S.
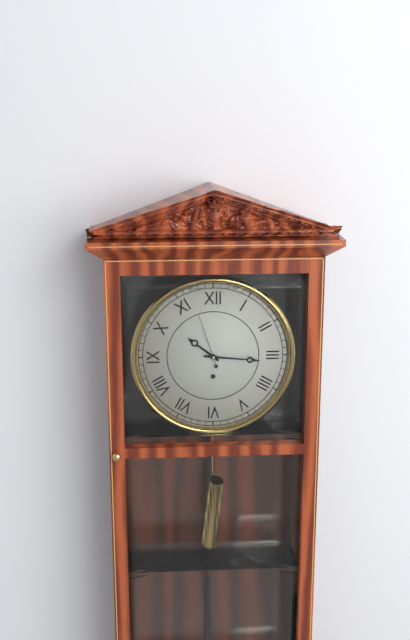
{"hour": 10, "minute": 16}
